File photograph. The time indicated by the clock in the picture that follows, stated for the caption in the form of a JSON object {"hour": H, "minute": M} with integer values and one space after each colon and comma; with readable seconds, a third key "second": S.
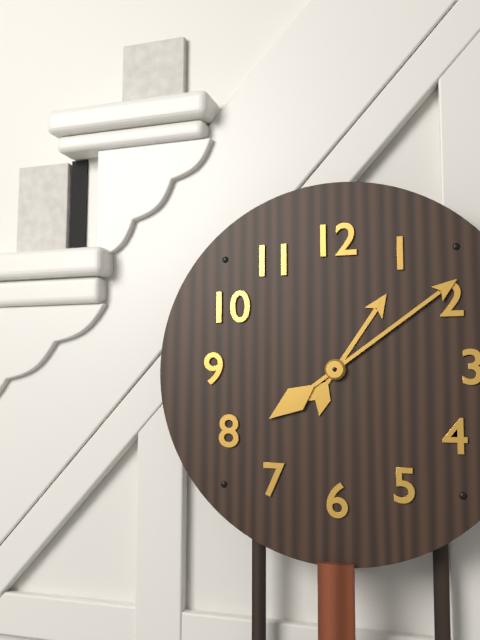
{"hour": 1, "minute": 9}
